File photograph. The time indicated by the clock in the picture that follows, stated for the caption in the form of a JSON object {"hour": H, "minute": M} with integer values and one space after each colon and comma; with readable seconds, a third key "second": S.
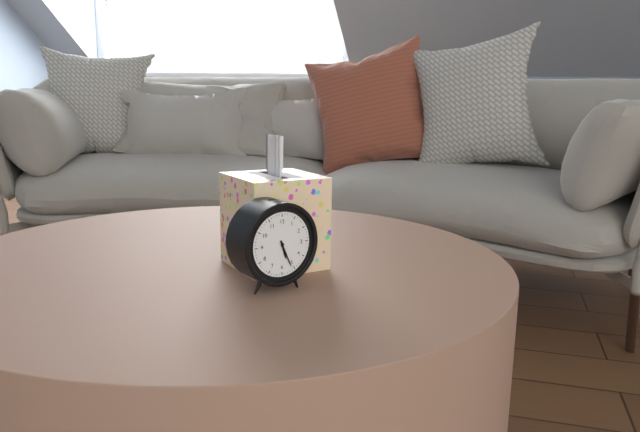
{"hour": 5, "minute": 26}
